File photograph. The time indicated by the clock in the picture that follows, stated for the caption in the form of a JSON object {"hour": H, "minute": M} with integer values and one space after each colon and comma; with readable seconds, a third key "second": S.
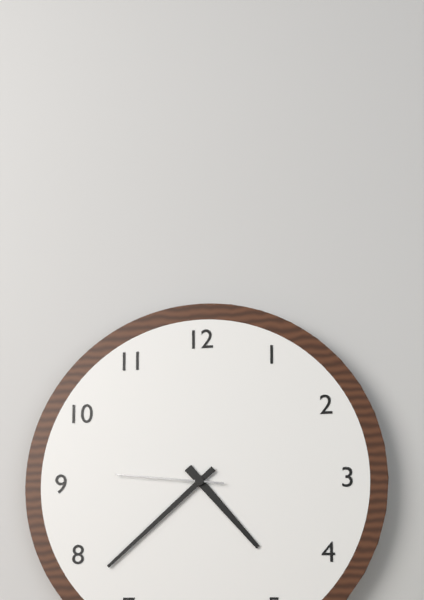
{"hour": 4, "minute": 38, "second": 46}
